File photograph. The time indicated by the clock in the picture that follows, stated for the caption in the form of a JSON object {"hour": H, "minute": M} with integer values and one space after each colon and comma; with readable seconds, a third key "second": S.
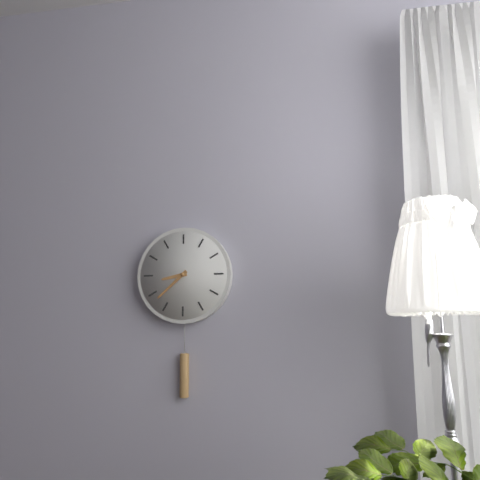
{"hour": 8, "minute": 38}
